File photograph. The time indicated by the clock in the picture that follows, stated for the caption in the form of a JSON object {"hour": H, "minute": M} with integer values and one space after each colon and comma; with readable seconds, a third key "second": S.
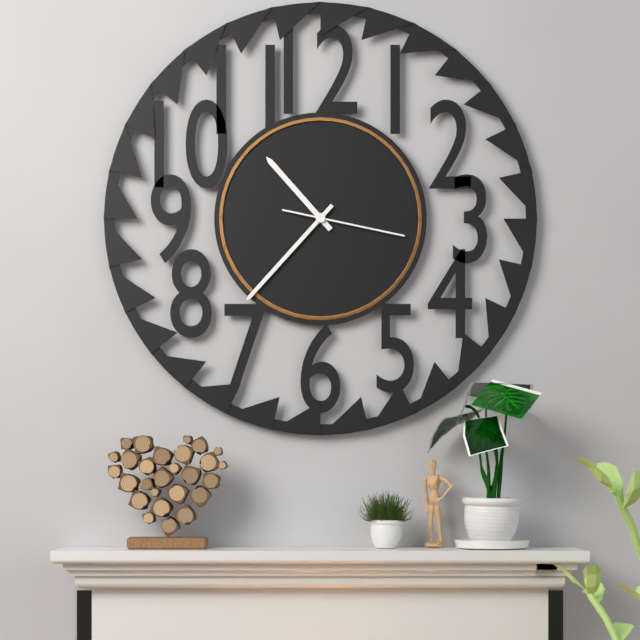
{"hour": 10, "minute": 37, "second": 17}
